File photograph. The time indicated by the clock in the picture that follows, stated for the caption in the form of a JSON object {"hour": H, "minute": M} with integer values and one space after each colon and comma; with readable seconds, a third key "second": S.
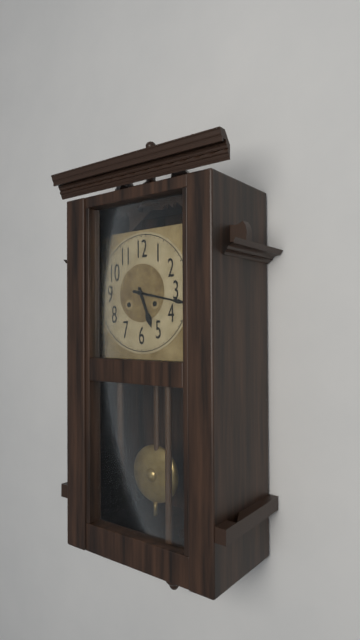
{"hour": 5, "minute": 17}
